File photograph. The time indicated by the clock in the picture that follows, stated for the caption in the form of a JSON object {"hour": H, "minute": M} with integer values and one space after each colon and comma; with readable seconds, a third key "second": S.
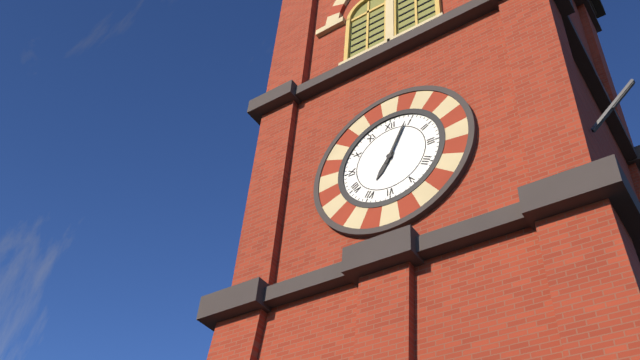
{"hour": 7, "minute": 4}
